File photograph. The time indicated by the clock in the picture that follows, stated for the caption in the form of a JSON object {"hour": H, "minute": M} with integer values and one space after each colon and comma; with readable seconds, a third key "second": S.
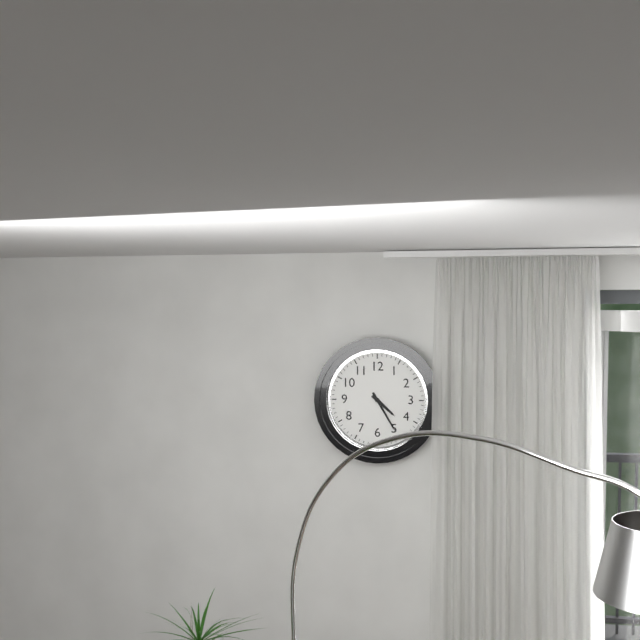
{"hour": 4, "minute": 25}
